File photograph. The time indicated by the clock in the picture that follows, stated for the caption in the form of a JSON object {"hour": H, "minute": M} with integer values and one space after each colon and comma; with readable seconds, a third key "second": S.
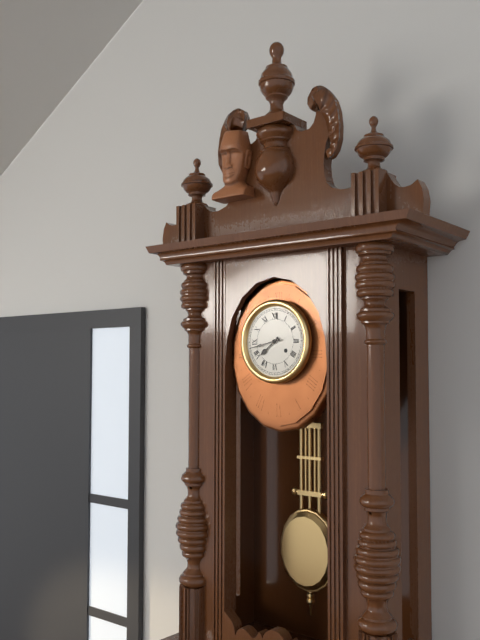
{"hour": 7, "minute": 43}
